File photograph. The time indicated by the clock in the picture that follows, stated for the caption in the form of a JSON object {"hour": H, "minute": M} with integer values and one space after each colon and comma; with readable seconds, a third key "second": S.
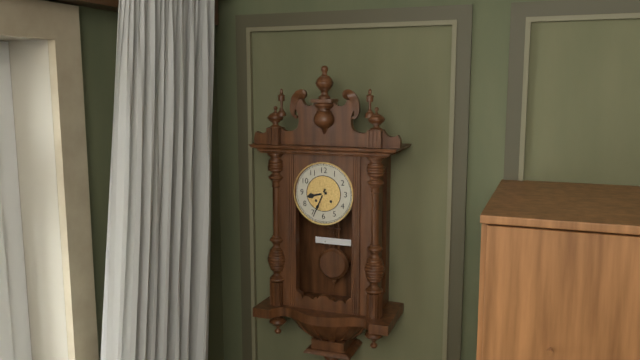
{"hour": 8, "minute": 34}
